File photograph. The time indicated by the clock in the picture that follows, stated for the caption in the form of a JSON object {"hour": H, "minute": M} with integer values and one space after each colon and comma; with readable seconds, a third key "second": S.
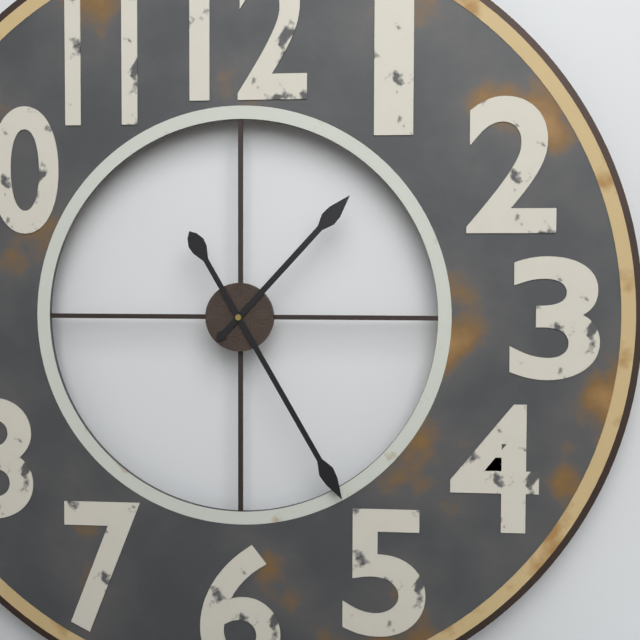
{"hour": 1, "minute": 25}
